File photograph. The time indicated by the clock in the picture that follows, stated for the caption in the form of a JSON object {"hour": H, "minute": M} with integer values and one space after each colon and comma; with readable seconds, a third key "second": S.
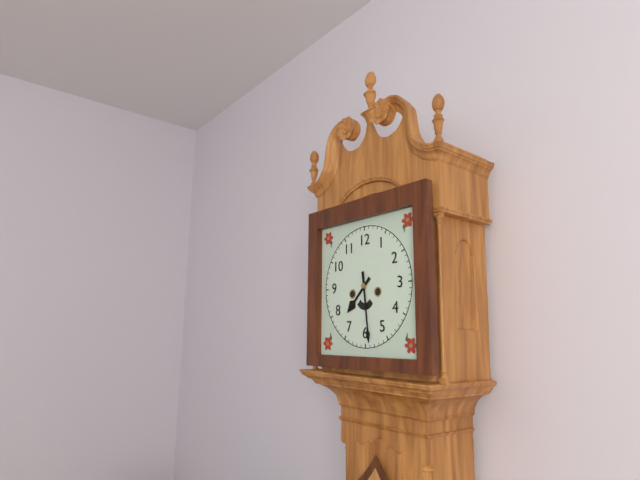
{"hour": 7, "minute": 29}
